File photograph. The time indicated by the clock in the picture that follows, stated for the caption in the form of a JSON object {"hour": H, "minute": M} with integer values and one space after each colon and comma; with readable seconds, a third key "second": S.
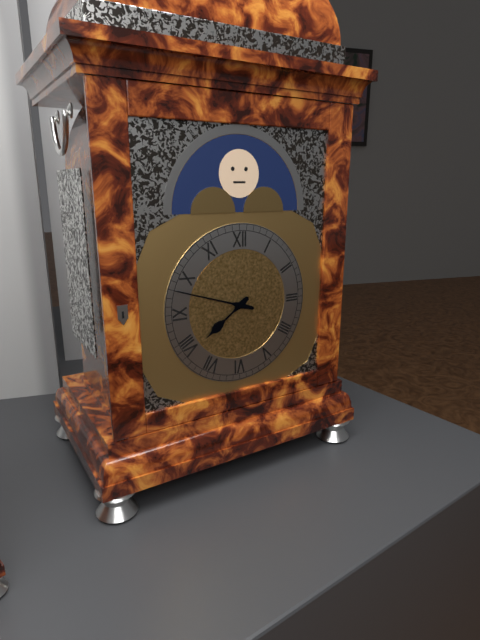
{"hour": 7, "minute": 48}
